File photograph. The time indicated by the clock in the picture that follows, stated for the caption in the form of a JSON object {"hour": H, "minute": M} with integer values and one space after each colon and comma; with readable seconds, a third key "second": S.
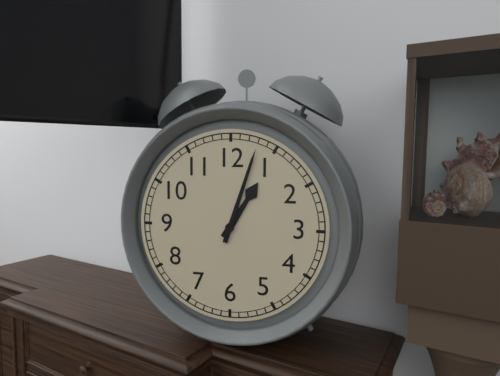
{"hour": 1, "minute": 3}
